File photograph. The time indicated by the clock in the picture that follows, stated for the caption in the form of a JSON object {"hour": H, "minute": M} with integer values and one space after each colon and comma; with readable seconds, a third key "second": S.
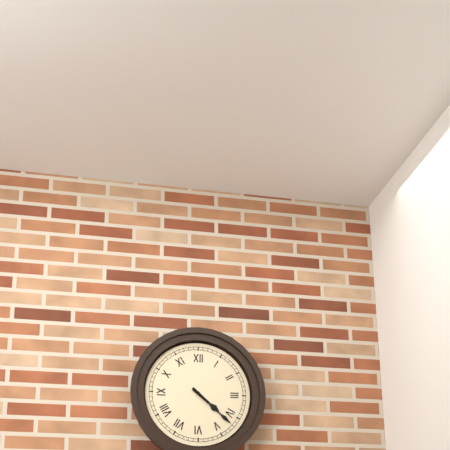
{"hour": 4, "minute": 22}
